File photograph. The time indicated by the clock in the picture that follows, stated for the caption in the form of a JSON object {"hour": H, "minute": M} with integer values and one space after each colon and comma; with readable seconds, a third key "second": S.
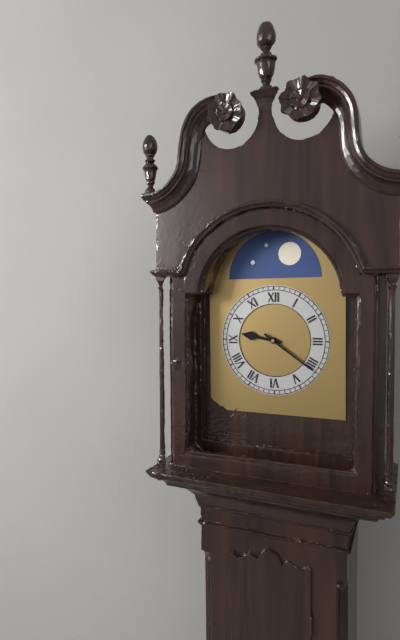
{"hour": 9, "minute": 21}
